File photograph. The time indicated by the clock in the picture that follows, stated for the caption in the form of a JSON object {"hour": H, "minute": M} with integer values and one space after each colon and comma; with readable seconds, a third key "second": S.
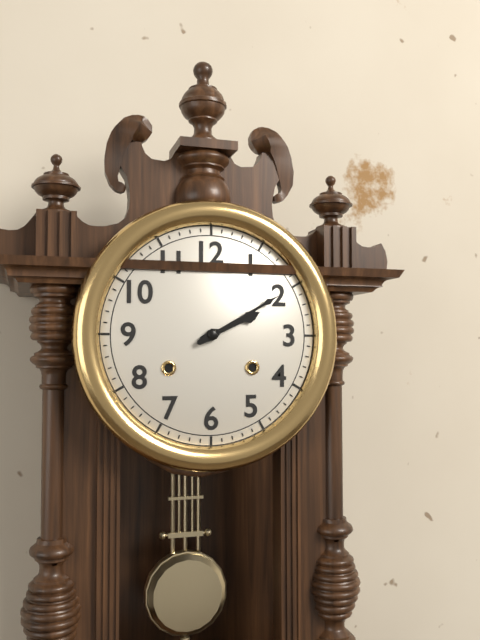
{"hour": 2, "minute": 10}
